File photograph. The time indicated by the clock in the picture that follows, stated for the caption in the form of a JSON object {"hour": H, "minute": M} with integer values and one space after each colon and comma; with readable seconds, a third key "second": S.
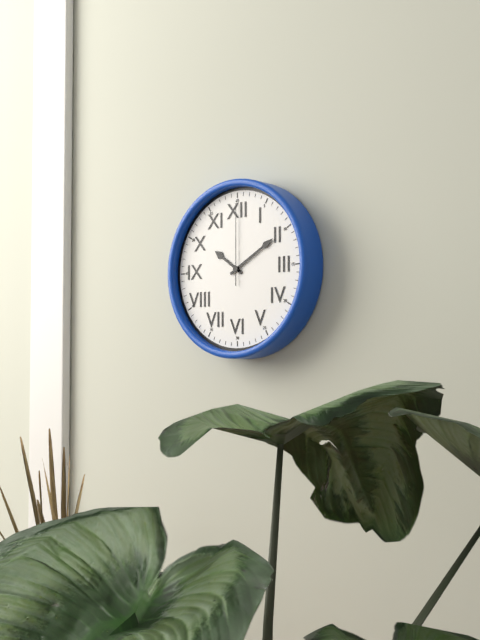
{"hour": 10, "minute": 10, "second": 0}
